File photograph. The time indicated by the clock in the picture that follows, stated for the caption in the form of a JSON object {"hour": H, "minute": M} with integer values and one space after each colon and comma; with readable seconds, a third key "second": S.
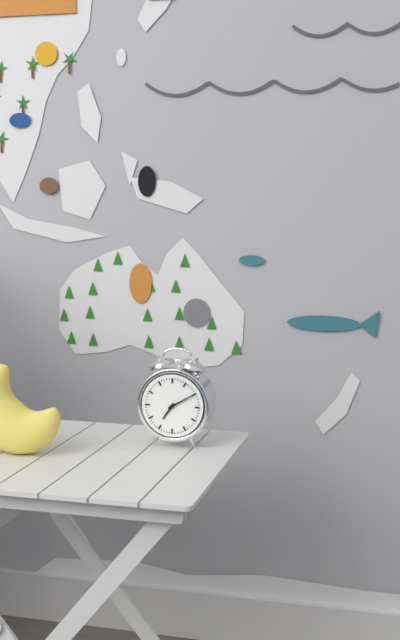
{"hour": 7, "minute": 10}
